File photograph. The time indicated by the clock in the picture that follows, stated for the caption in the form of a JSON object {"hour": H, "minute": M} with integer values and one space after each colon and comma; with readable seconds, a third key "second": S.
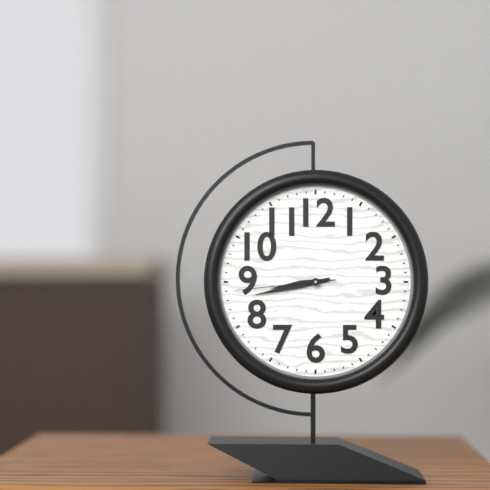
{"hour": 8, "minute": 43, "second": 44}
